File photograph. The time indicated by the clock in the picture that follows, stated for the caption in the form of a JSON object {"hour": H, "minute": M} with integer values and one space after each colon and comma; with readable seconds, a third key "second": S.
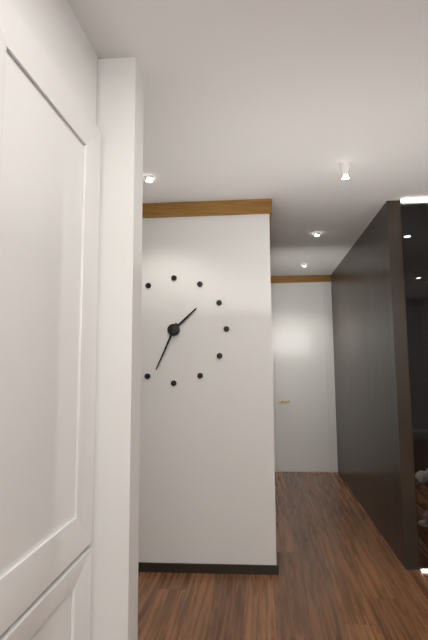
{"hour": 1, "minute": 34}
